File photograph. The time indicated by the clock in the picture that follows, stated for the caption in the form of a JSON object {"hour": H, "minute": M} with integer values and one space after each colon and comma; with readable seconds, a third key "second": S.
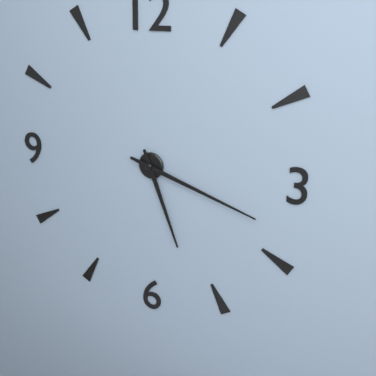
{"hour": 5, "minute": 18}
